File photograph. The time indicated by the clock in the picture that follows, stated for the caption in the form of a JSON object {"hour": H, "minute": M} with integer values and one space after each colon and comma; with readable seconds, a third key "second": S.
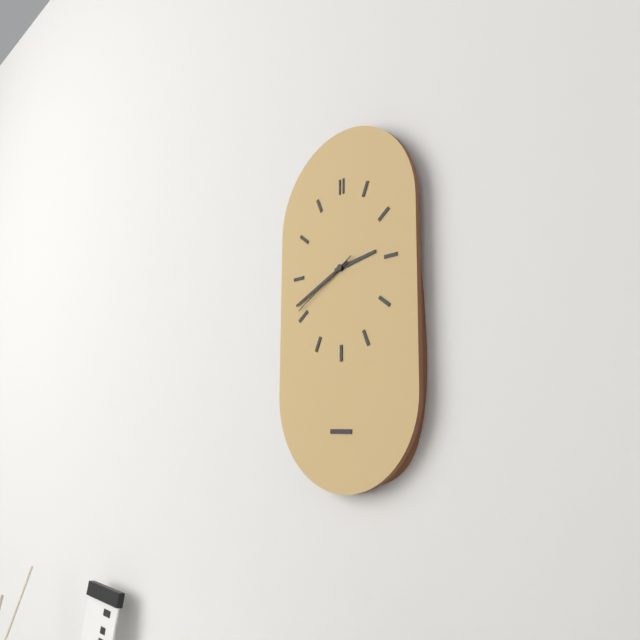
{"hour": 2, "minute": 41, "second": 40}
